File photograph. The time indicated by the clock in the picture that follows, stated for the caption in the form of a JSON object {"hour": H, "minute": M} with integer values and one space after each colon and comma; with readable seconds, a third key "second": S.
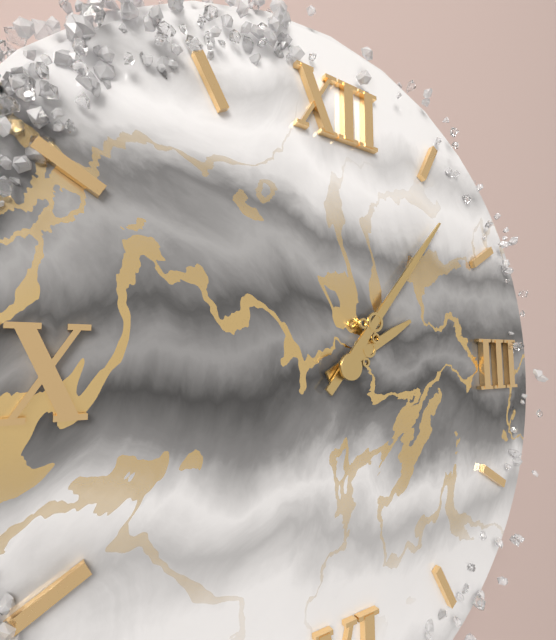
{"hour": 2, "minute": 7}
